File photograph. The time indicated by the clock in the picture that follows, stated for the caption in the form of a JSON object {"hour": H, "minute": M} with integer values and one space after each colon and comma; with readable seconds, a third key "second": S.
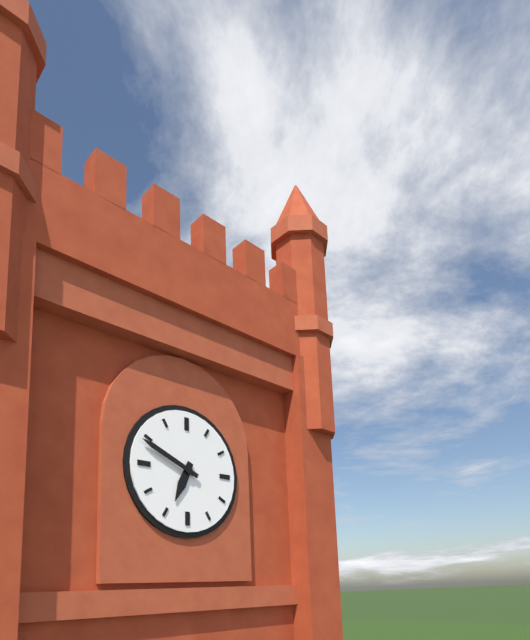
{"hour": 6, "minute": 49}
